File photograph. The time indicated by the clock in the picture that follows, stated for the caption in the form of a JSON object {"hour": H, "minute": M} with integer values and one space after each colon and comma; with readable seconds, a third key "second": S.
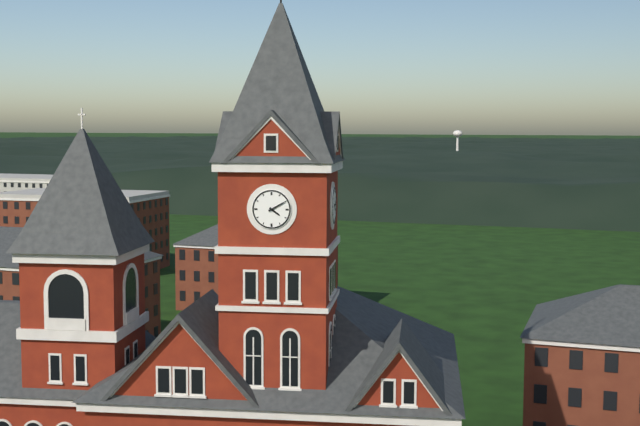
{"hour": 4, "minute": 10}
